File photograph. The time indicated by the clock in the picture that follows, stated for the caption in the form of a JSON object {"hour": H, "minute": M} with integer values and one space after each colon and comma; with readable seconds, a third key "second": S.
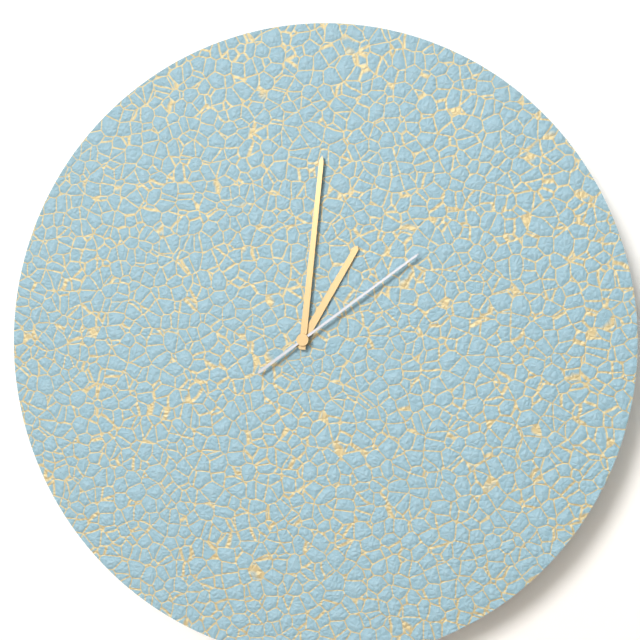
{"hour": 1, "minute": 1, "second": 9}
